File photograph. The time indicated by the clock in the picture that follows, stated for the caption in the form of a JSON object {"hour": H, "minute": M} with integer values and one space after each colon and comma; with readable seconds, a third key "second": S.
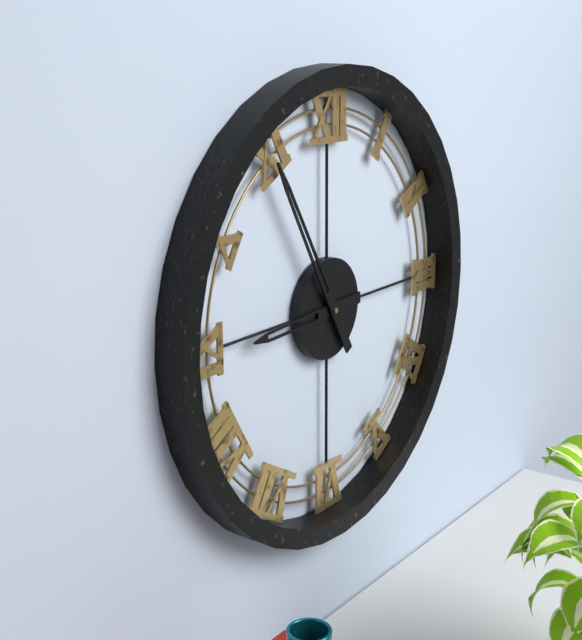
{"hour": 8, "minute": 55}
